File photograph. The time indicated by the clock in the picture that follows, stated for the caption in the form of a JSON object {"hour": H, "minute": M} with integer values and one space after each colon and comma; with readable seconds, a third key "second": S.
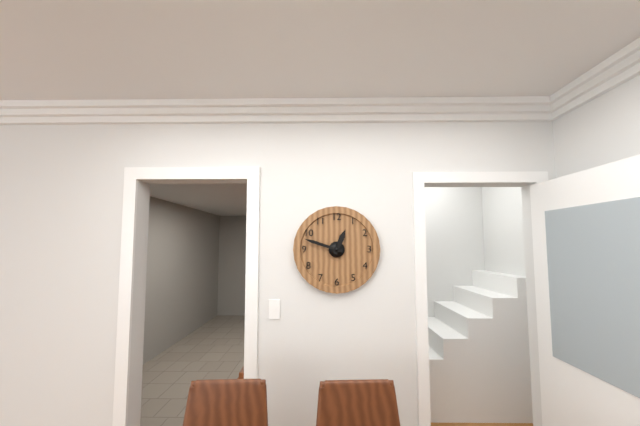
{"hour": 12, "minute": 48}
